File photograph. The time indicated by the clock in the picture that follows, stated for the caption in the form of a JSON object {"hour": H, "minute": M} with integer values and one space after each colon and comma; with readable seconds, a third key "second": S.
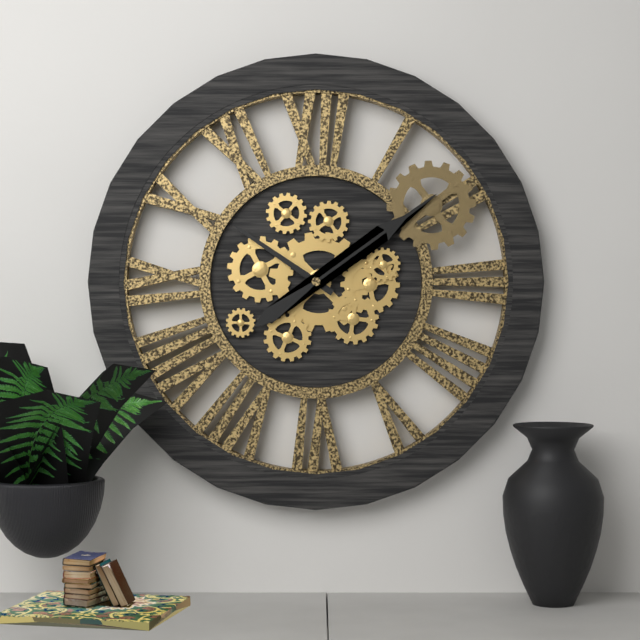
{"hour": 10, "minute": 9}
